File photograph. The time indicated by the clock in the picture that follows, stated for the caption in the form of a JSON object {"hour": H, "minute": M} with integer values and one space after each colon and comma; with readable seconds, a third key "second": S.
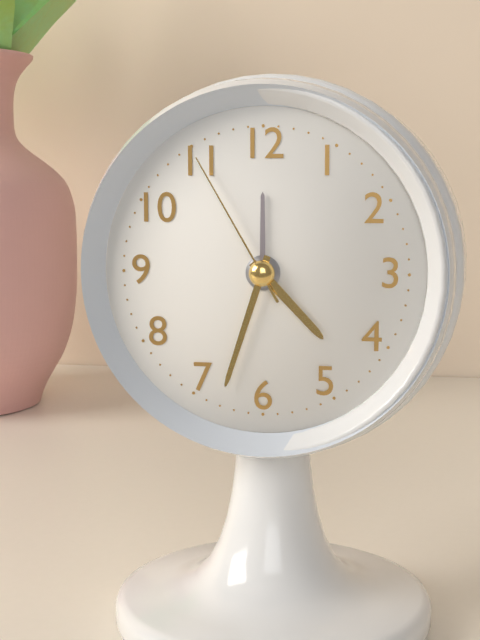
{"hour": 4, "minute": 33, "second": 55}
